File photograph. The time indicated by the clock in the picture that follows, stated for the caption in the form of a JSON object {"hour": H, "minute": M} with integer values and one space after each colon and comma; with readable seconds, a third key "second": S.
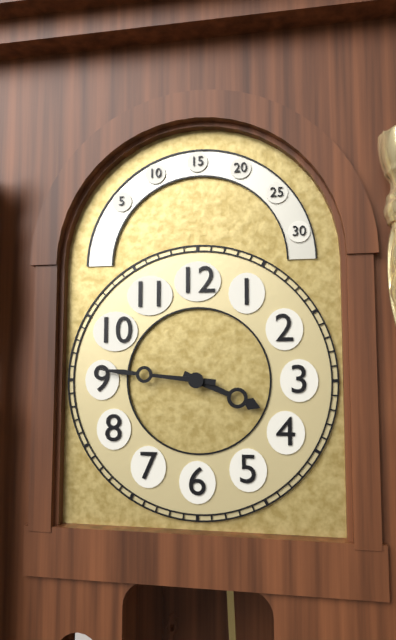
{"hour": 3, "minute": 46}
